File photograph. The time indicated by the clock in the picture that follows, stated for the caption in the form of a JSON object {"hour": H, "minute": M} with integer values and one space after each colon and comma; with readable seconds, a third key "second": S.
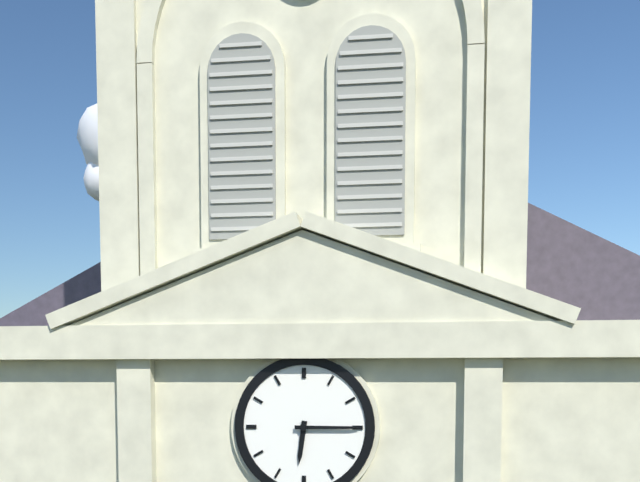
{"hour": 6, "minute": 15}
